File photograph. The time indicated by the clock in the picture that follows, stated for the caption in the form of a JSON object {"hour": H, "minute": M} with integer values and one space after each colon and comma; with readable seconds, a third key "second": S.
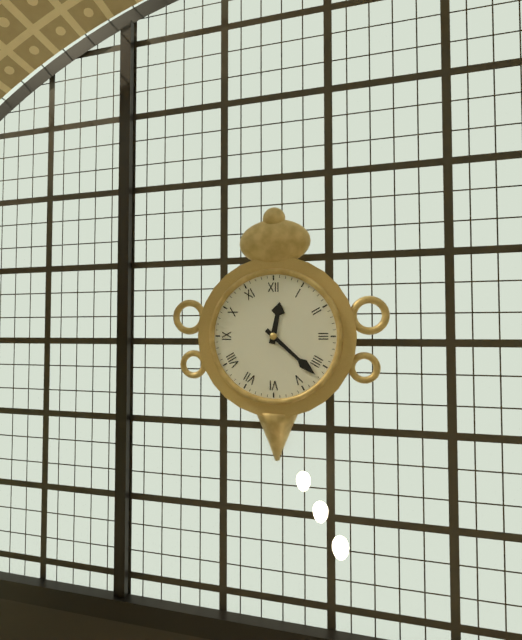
{"hour": 12, "minute": 22}
